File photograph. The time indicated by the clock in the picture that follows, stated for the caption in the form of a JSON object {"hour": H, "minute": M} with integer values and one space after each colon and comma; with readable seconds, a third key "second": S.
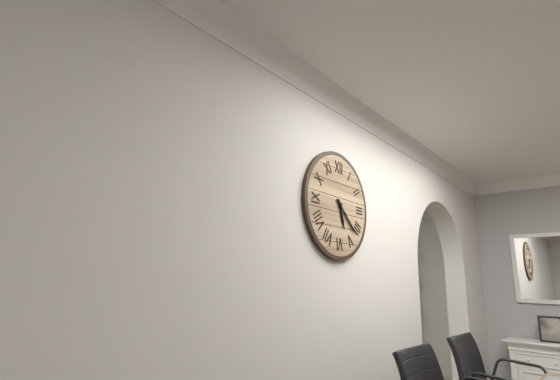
{"hour": 5, "minute": 22}
